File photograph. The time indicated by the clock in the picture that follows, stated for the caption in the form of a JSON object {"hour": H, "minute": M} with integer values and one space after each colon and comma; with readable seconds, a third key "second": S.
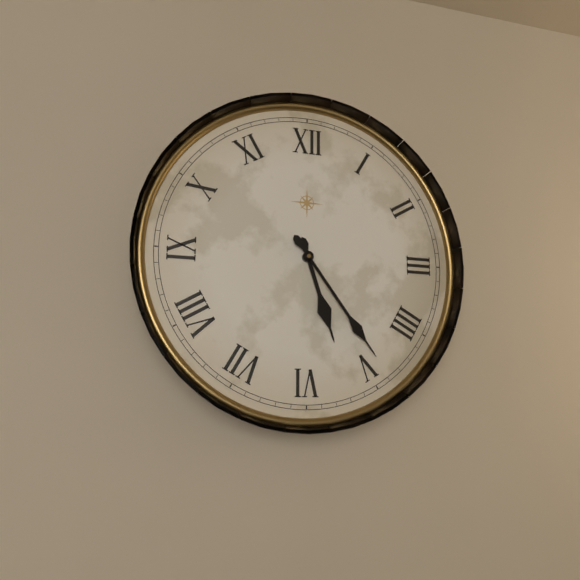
{"hour": 5, "minute": 24}
